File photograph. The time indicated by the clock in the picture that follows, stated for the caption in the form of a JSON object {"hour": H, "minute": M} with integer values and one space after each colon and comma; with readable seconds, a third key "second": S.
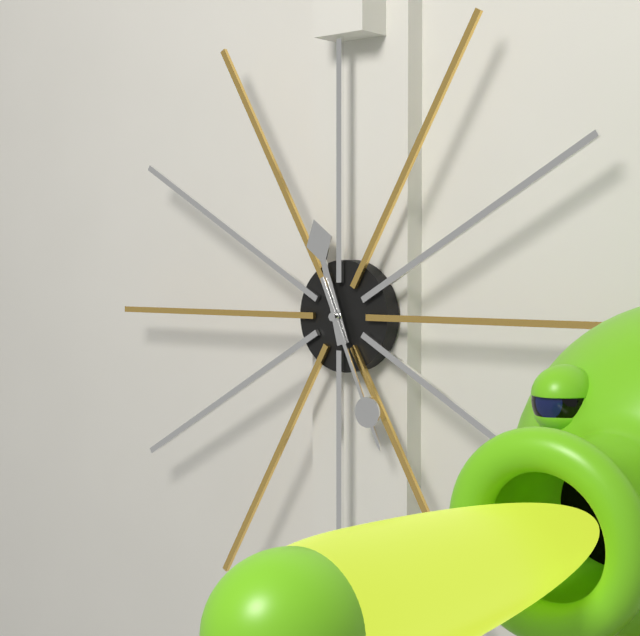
{"hour": 11, "minute": 26}
